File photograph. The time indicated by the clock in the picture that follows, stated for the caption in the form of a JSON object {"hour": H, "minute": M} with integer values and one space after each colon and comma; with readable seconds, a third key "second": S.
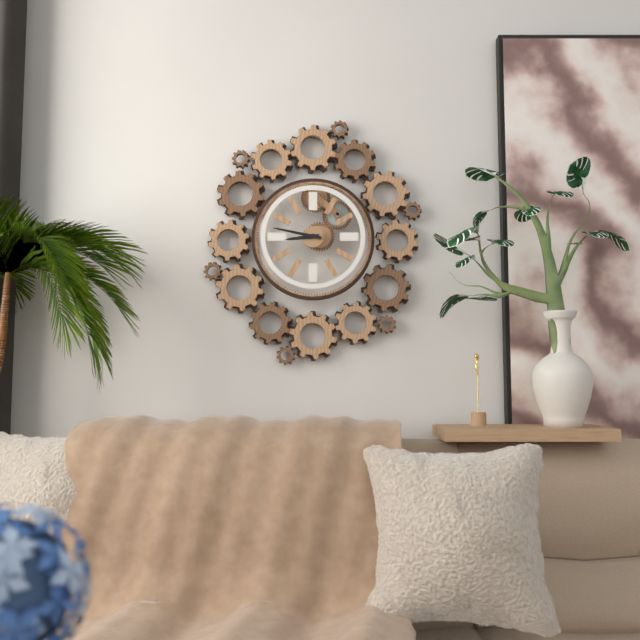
{"hour": 8, "minute": 47}
